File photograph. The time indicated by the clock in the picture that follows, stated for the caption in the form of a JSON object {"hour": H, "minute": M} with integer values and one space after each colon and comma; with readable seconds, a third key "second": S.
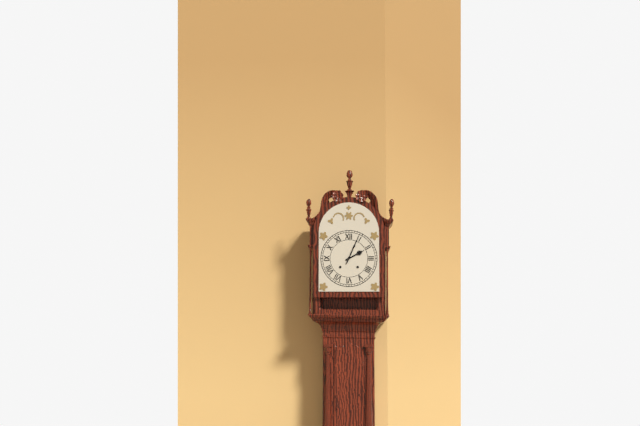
{"hour": 2, "minute": 4}
